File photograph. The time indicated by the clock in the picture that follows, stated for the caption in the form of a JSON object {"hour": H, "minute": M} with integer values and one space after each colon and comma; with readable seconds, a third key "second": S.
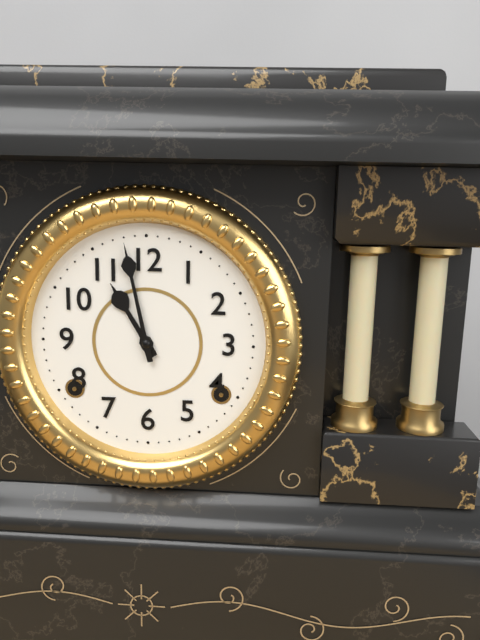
{"hour": 10, "minute": 58}
